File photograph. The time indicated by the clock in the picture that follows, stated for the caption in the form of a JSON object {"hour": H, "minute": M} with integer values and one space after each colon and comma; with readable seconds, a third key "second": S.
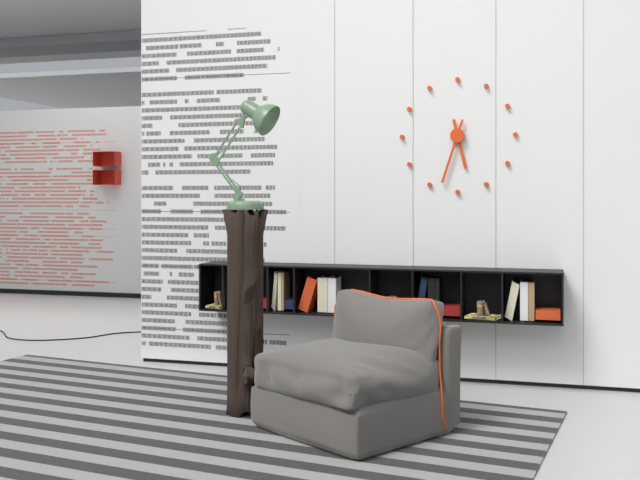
{"hour": 5, "minute": 33}
